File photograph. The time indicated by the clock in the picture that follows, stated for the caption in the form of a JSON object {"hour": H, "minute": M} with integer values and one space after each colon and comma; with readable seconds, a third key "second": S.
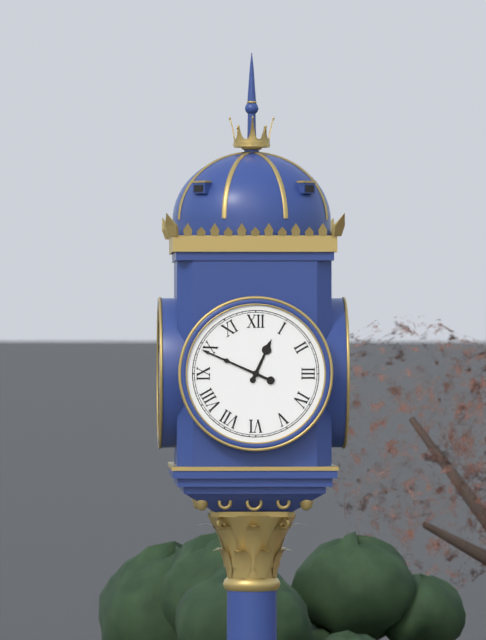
{"hour": 12, "minute": 49}
